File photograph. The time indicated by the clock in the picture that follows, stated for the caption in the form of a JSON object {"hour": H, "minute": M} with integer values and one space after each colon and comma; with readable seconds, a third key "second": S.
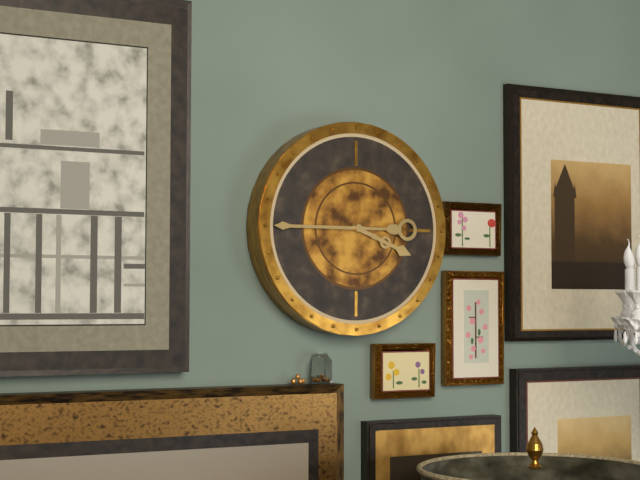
{"hour": 3, "minute": 45}
